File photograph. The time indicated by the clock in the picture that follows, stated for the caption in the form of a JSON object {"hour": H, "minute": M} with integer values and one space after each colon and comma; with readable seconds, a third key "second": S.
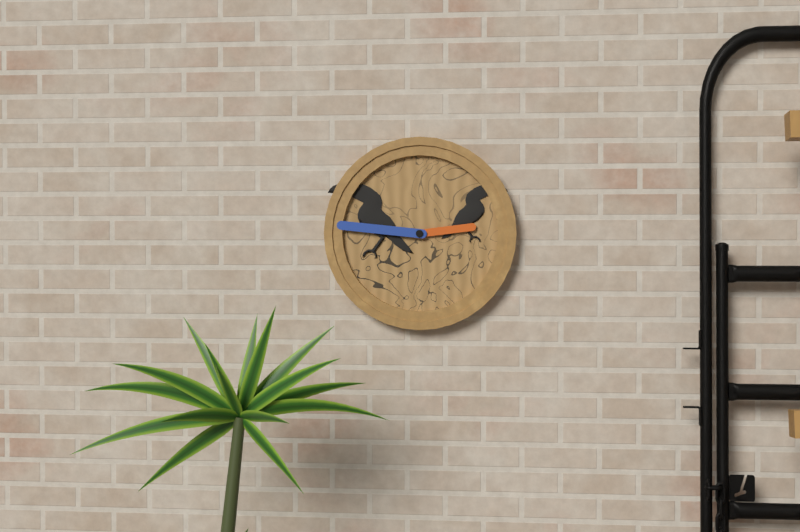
{"hour": 2, "minute": 46}
